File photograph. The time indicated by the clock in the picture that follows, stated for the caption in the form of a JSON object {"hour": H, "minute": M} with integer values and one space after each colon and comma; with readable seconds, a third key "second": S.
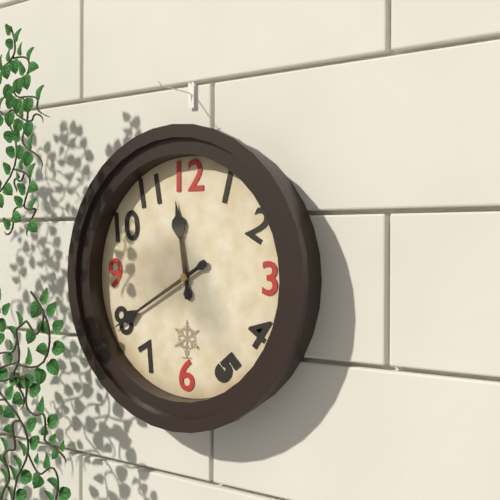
{"hour": 11, "minute": 40}
